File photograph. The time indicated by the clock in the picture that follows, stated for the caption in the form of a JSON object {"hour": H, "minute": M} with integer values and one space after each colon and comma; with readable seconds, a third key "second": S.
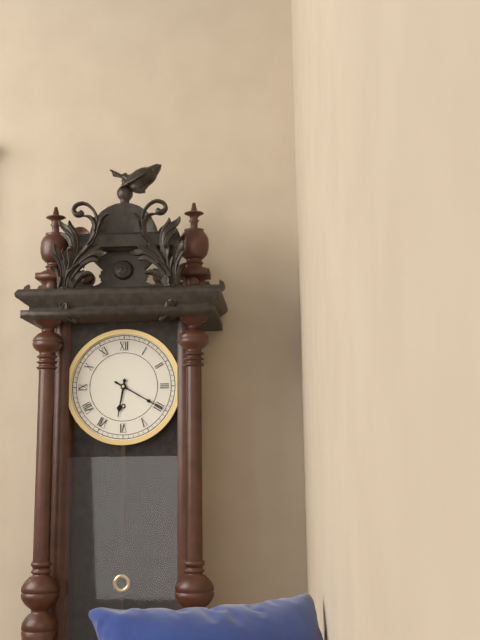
{"hour": 6, "minute": 20}
